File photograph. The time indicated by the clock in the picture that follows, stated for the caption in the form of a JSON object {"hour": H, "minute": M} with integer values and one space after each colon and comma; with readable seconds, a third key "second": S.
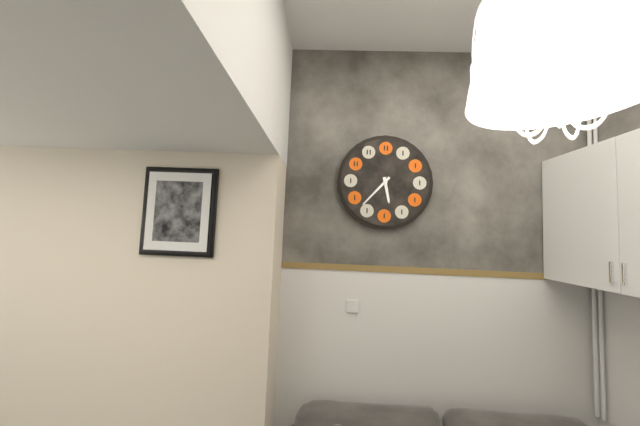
{"hour": 5, "minute": 37}
